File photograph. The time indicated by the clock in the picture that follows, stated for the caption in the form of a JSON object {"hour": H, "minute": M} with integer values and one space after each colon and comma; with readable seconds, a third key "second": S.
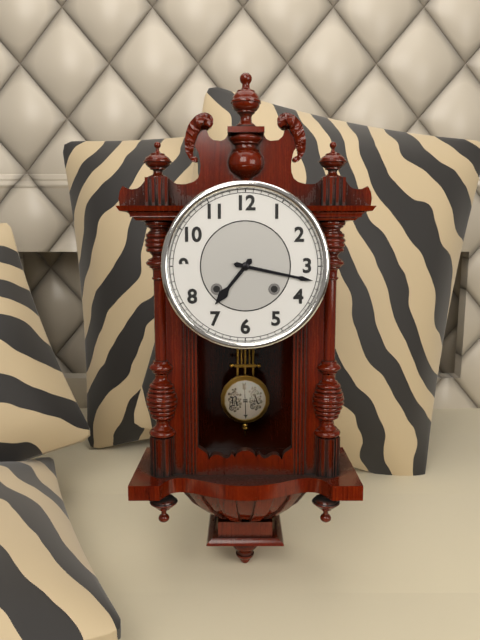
{"hour": 7, "minute": 17}
